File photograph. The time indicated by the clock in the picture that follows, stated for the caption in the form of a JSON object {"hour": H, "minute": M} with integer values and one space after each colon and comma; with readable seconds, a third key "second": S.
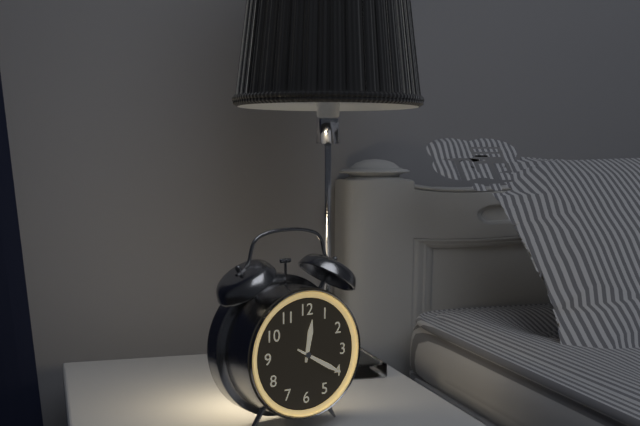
{"hour": 12, "minute": 20}
